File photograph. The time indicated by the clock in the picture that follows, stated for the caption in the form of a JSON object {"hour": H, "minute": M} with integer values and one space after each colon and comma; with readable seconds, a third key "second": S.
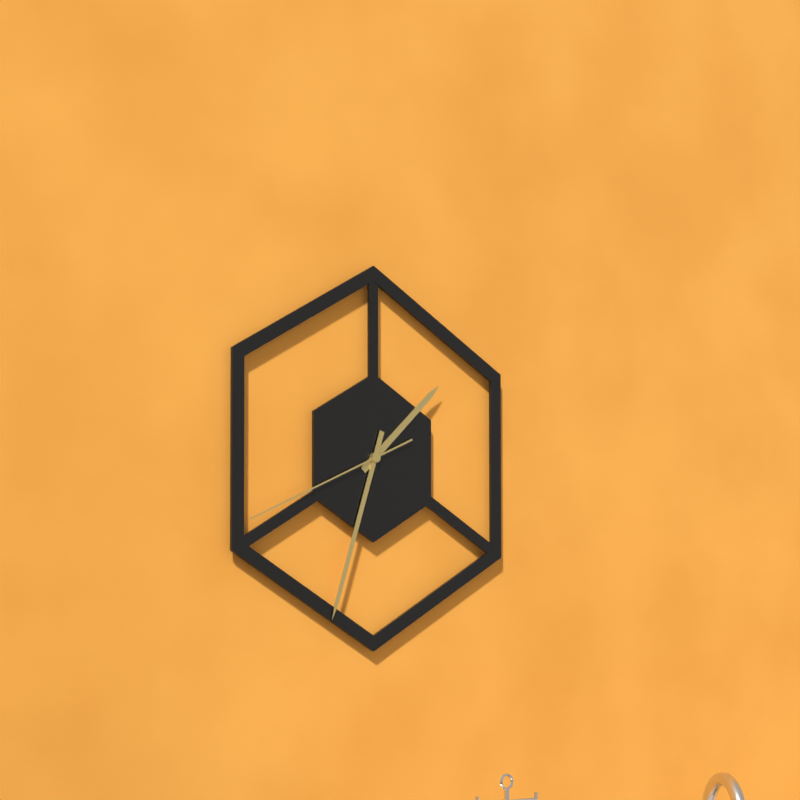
{"hour": 1, "minute": 33, "second": 41}
